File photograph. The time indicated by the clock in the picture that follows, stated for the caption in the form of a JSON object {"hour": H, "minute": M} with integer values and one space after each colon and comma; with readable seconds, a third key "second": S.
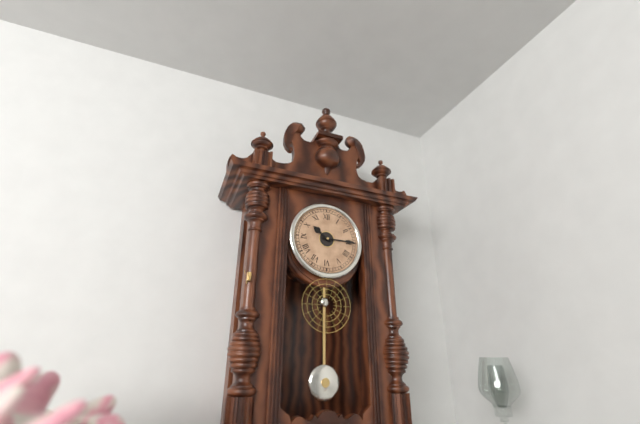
{"hour": 10, "minute": 15}
